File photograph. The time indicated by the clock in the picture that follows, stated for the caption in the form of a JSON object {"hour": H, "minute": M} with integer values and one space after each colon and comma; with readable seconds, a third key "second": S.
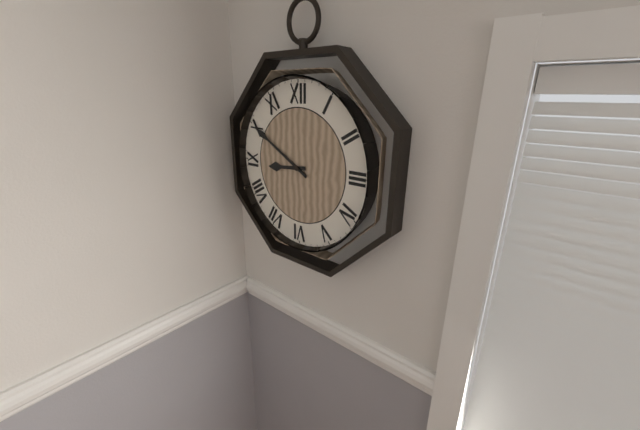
{"hour": 8, "minute": 50}
